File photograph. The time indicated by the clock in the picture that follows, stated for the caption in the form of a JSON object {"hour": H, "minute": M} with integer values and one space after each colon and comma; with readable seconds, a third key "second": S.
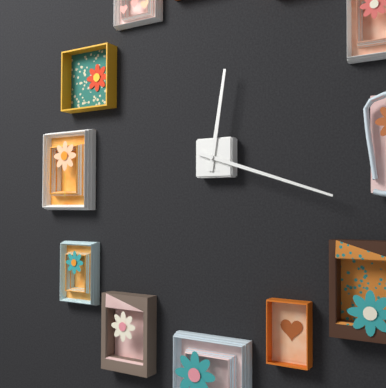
{"hour": 12, "minute": 18}
